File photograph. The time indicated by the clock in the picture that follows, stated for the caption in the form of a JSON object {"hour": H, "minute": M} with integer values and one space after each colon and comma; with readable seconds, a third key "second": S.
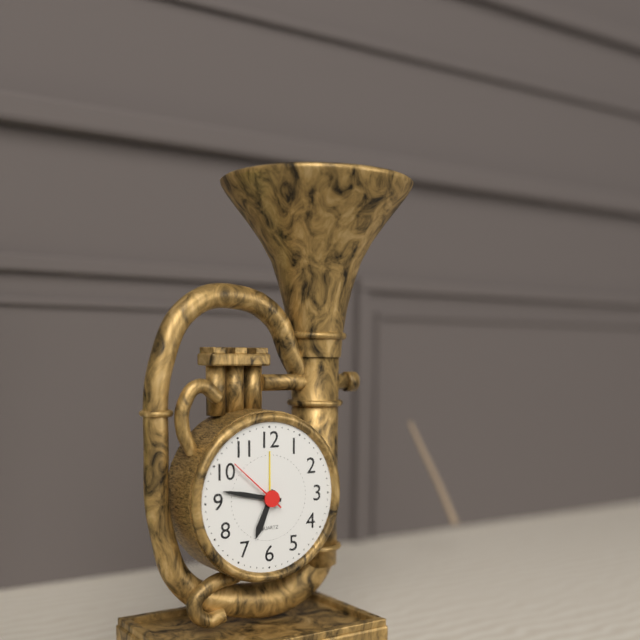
{"hour": 6, "minute": 47, "second": 52}
